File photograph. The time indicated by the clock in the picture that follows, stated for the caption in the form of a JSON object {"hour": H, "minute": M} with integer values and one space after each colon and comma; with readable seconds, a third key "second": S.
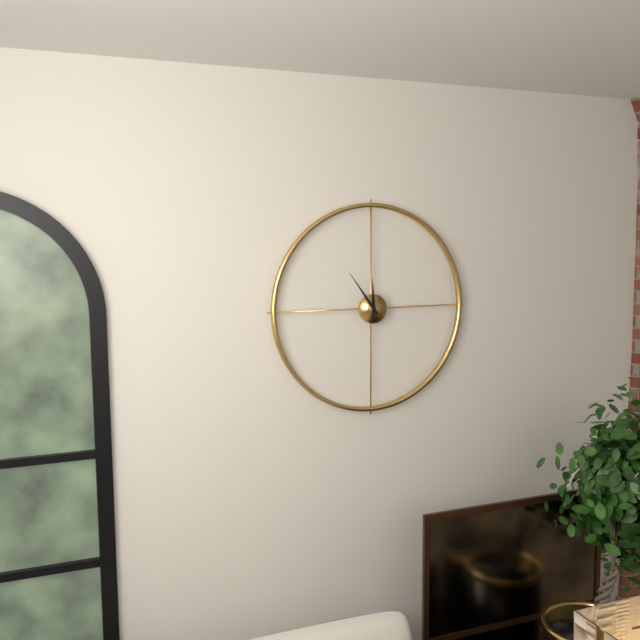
{"hour": 11, "minute": 54}
